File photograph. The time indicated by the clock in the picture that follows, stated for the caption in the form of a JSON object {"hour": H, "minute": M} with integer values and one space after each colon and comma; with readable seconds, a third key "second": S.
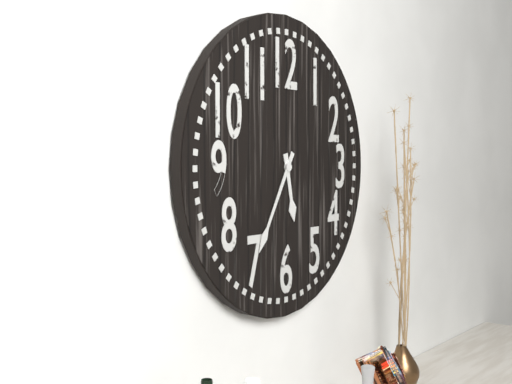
{"hour": 5, "minute": 35}
